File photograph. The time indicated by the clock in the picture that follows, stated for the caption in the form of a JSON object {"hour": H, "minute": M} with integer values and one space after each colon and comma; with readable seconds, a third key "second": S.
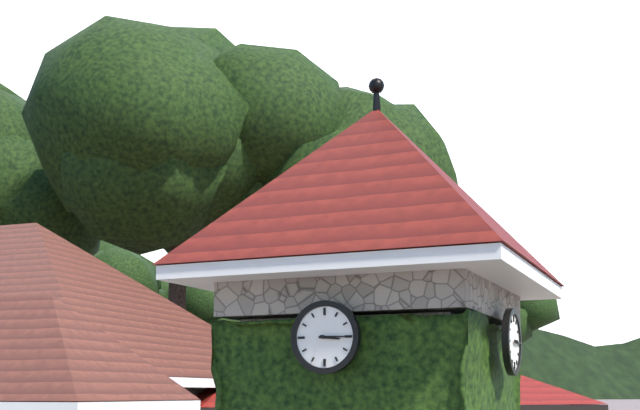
{"hour": 3, "minute": 15}
